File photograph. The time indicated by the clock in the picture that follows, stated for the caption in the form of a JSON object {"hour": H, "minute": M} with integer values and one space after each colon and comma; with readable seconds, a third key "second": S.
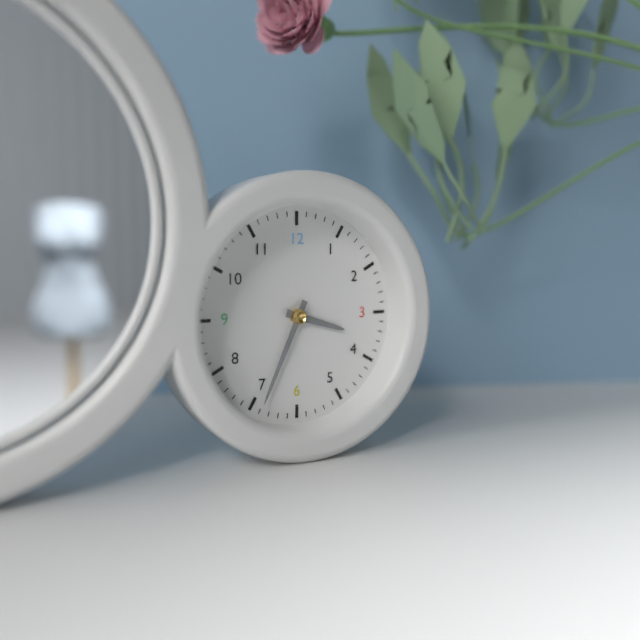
{"hour": 3, "minute": 34}
